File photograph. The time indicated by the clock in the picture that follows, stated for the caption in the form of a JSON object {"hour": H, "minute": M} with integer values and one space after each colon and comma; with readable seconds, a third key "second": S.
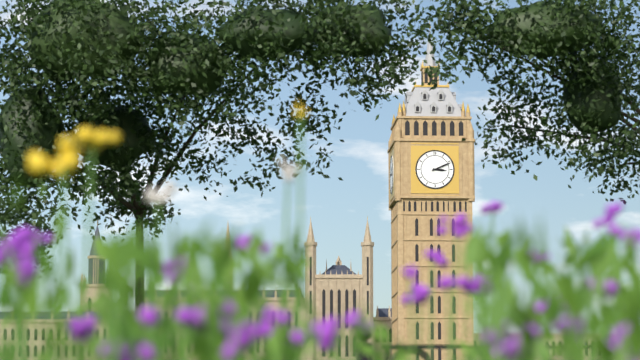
{"hour": 3, "minute": 11}
